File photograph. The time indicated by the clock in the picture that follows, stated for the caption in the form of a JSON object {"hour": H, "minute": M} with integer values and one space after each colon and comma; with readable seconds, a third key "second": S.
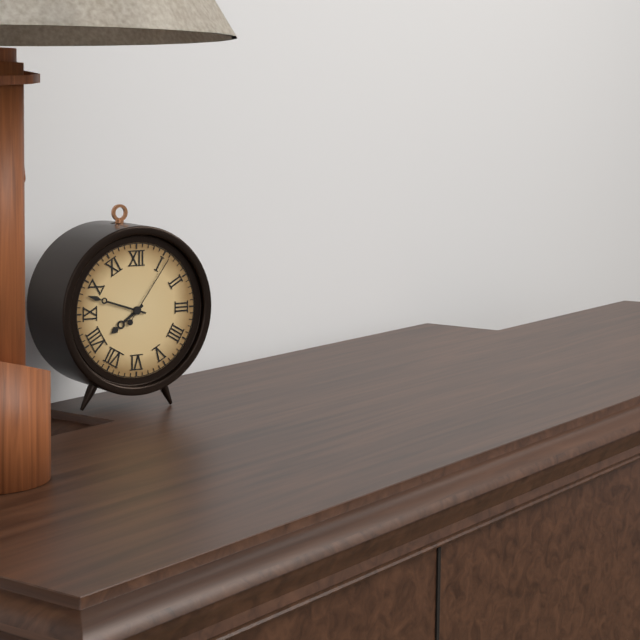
{"hour": 7, "minute": 48, "second": 6}
